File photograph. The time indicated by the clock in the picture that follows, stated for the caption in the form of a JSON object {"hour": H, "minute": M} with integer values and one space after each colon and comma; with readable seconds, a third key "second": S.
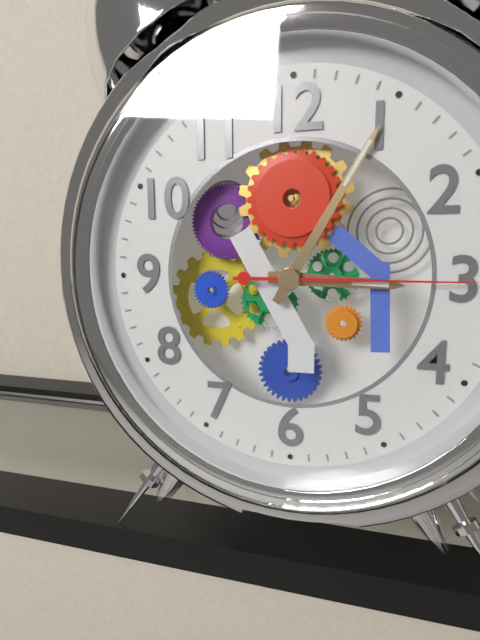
{"hour": 3, "minute": 5}
